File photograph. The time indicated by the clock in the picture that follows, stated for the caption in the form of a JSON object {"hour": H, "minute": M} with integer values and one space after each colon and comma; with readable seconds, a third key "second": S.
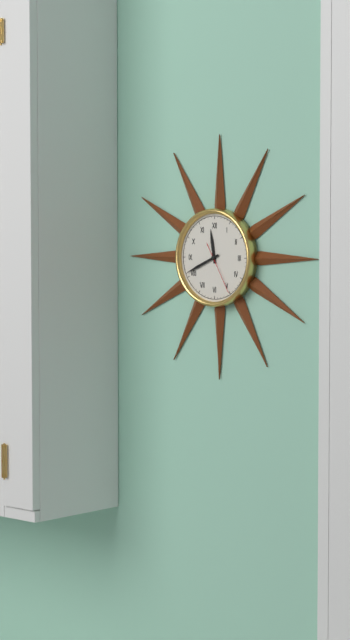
{"hour": 11, "minute": 41}
